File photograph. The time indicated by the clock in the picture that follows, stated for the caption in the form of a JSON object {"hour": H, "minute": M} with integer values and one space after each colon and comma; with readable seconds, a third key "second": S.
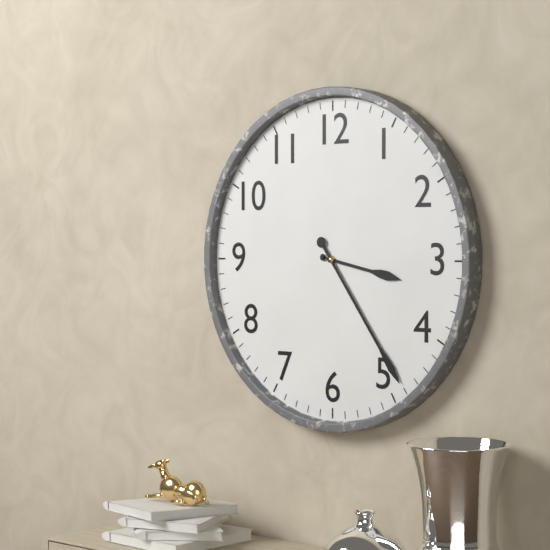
{"hour": 3, "minute": 24}
